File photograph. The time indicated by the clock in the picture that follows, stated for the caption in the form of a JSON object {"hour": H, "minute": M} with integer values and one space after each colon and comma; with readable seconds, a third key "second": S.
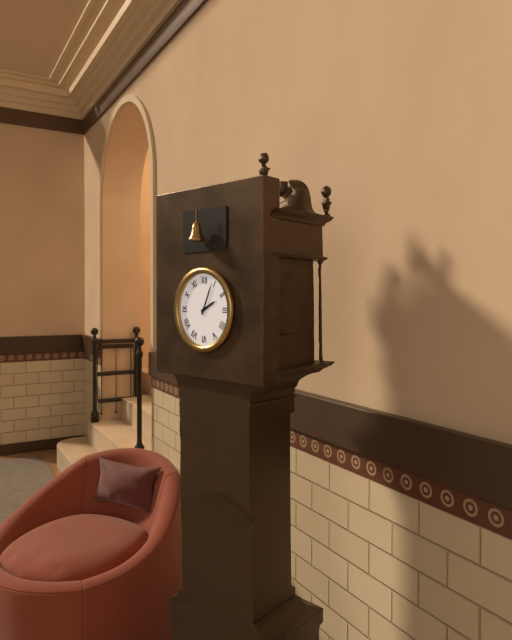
{"hour": 2, "minute": 4}
